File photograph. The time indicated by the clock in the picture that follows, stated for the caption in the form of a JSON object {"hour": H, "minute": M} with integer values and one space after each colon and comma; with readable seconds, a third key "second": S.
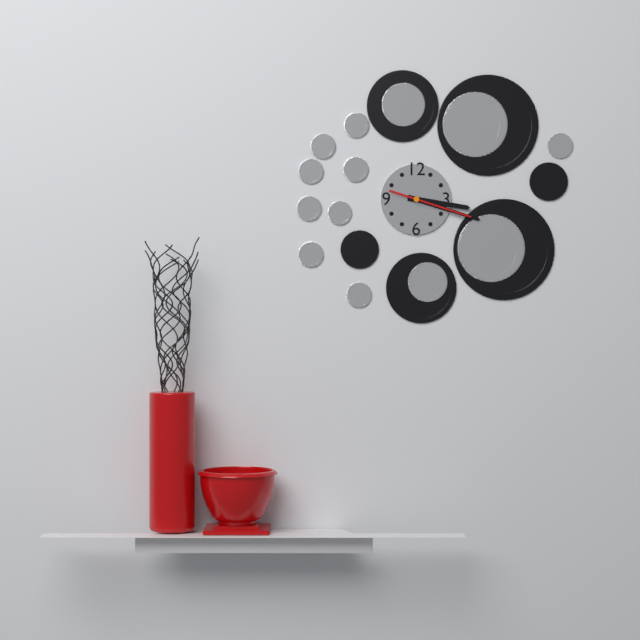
{"hour": 3, "minute": 18, "second": 18}
